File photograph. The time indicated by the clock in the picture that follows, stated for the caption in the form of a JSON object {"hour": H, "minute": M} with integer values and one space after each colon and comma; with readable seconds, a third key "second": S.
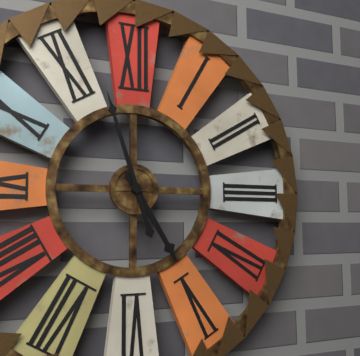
{"hour": 4, "minute": 57}
